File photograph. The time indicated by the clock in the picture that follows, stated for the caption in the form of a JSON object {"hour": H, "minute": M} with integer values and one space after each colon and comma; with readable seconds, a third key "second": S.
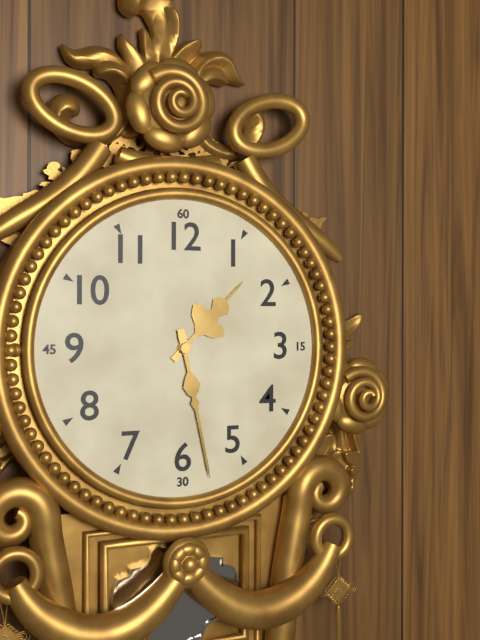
{"hour": 1, "minute": 28}
